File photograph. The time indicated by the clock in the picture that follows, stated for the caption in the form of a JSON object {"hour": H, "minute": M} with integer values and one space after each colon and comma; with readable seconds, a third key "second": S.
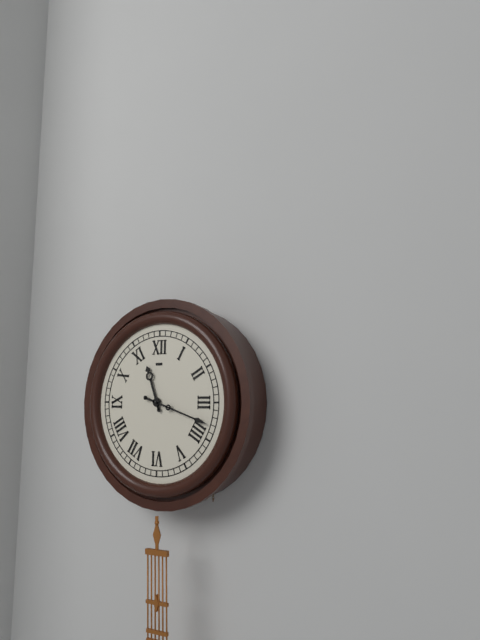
{"hour": 11, "minute": 18}
